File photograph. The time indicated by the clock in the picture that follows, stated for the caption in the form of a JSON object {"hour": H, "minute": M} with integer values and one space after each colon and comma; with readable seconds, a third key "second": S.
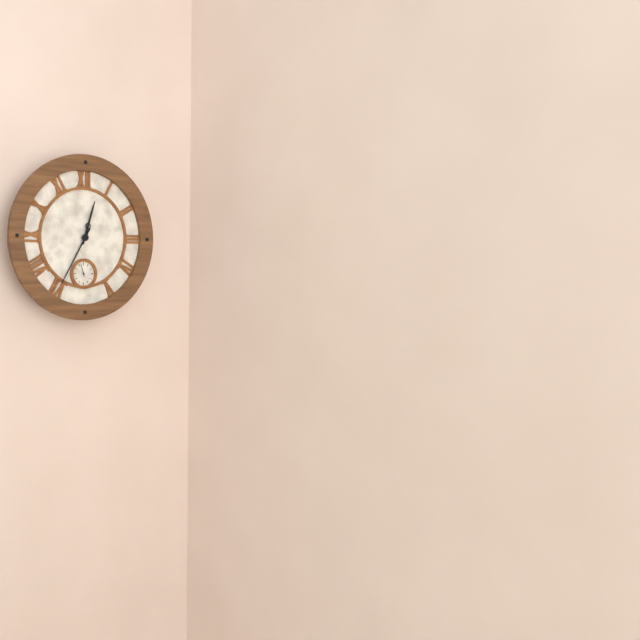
{"hour": 12, "minute": 35}
